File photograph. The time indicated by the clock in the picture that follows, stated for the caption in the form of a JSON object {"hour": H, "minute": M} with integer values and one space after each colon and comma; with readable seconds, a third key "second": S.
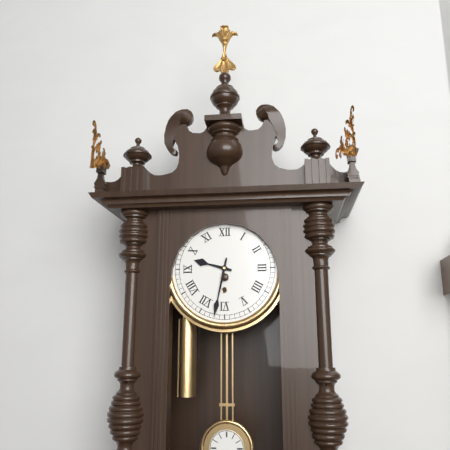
{"hour": 9, "minute": 32}
